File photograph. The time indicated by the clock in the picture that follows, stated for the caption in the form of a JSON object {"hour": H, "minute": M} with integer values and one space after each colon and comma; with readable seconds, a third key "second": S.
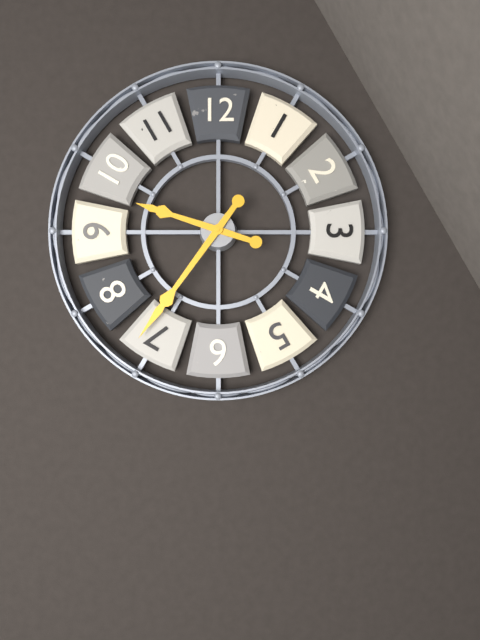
{"hour": 9, "minute": 36}
